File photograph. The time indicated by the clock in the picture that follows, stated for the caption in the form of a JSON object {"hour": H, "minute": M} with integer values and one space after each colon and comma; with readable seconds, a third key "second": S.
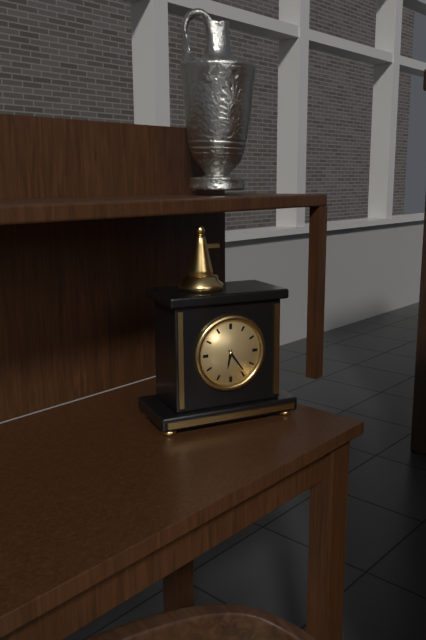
{"hour": 6, "minute": 24}
